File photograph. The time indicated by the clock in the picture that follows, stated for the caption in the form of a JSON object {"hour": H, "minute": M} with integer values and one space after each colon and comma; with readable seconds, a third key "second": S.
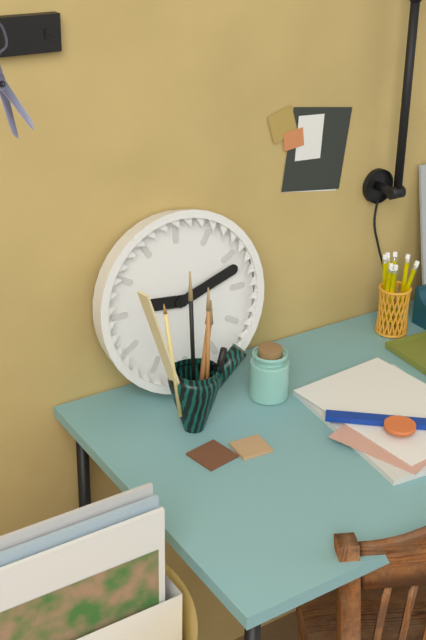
{"hour": 9, "minute": 12}
